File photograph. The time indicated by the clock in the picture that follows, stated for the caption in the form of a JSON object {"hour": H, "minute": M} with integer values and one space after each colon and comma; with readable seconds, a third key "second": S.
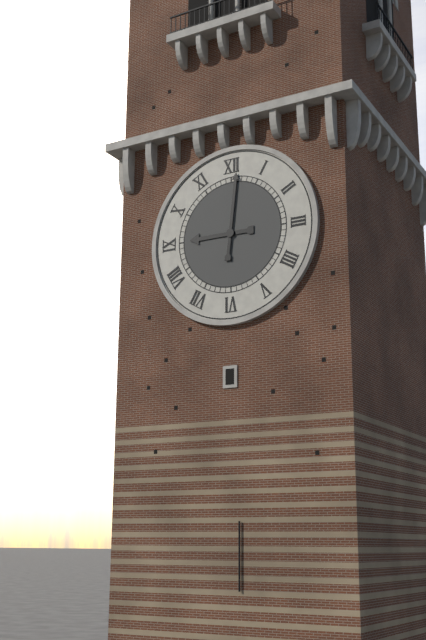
{"hour": 9, "minute": 1}
